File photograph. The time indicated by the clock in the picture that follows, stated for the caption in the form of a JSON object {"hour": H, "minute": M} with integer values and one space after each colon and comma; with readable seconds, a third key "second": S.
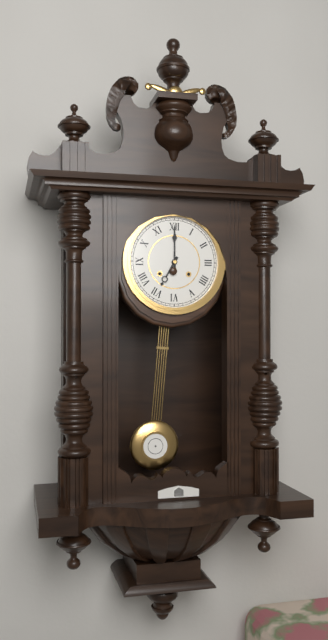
{"hour": 7, "minute": 0}
